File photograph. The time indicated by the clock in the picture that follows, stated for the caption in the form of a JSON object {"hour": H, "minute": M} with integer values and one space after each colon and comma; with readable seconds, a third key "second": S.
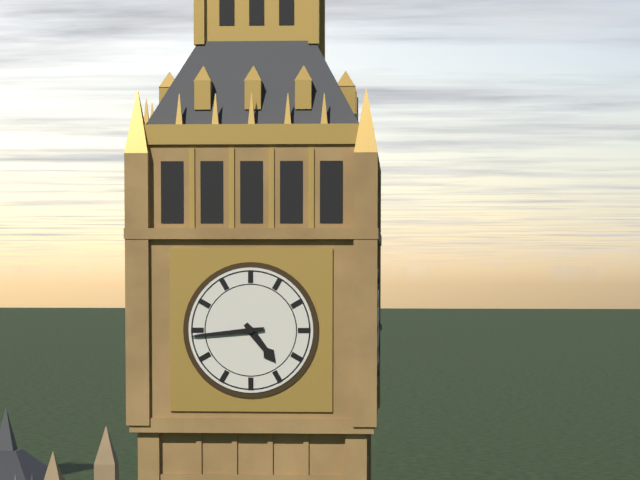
{"hour": 4, "minute": 44}
